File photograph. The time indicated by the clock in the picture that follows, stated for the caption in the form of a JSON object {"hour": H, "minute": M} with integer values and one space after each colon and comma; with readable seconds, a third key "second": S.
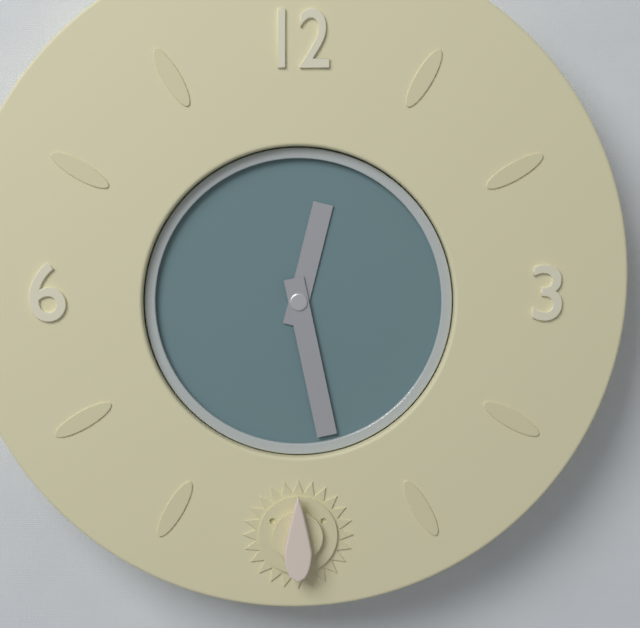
{"hour": 12, "minute": 28}
